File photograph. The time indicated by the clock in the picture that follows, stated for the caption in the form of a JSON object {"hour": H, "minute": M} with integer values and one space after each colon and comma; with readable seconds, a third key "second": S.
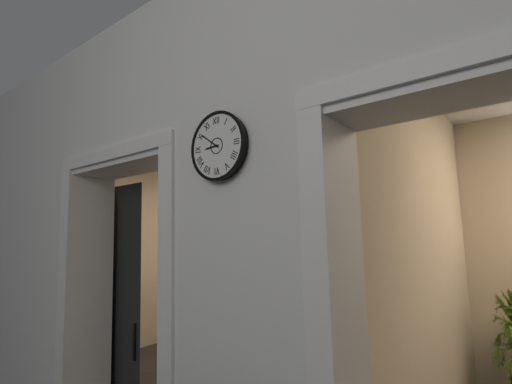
{"hour": 8, "minute": 51}
